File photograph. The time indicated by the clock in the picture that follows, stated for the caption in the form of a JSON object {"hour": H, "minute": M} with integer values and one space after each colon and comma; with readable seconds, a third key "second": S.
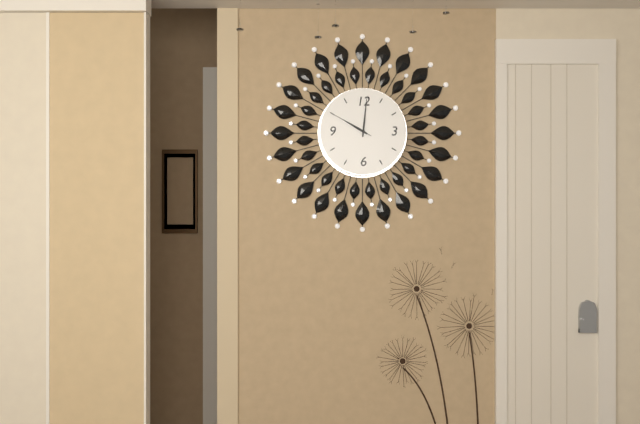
{"hour": 10, "minute": 1}
